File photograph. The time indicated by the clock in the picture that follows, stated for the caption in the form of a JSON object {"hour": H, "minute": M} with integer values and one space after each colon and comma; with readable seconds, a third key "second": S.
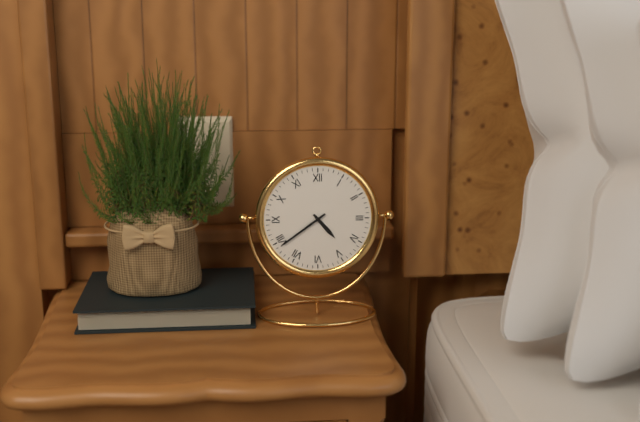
{"hour": 4, "minute": 39}
